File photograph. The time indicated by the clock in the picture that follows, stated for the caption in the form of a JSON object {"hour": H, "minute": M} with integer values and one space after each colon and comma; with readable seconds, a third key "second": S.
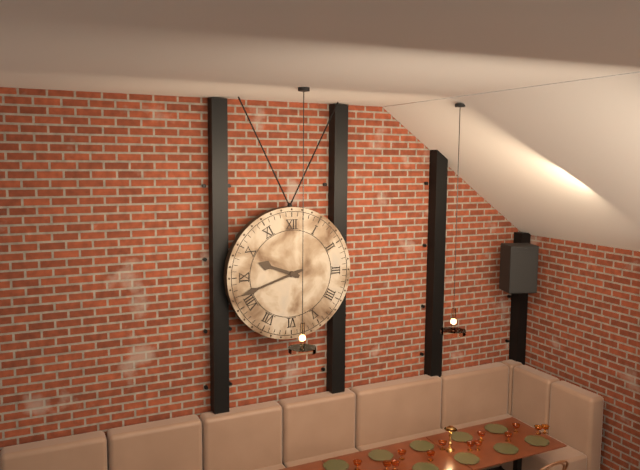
{"hour": 9, "minute": 42}
